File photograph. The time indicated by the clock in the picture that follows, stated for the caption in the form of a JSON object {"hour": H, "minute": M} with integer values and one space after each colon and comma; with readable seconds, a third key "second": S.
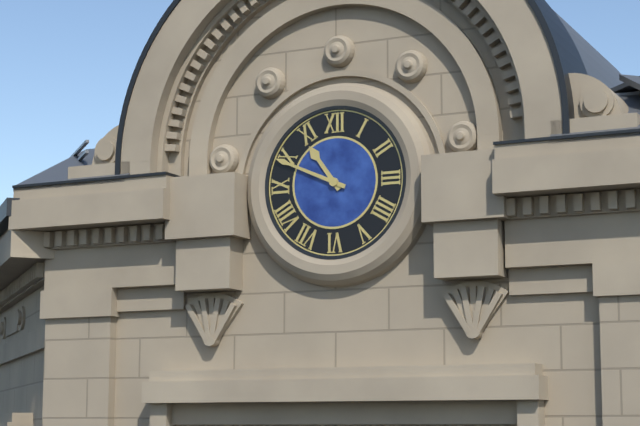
{"hour": 10, "minute": 49}
